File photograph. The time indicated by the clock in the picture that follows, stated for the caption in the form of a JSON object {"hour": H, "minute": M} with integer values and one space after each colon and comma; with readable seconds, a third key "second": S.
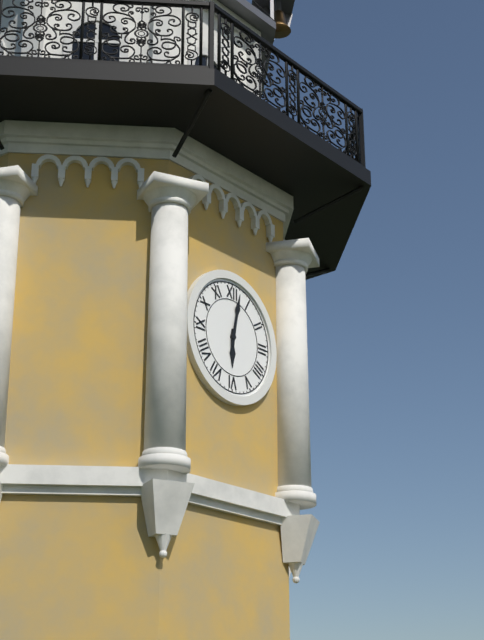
{"hour": 6, "minute": 2}
